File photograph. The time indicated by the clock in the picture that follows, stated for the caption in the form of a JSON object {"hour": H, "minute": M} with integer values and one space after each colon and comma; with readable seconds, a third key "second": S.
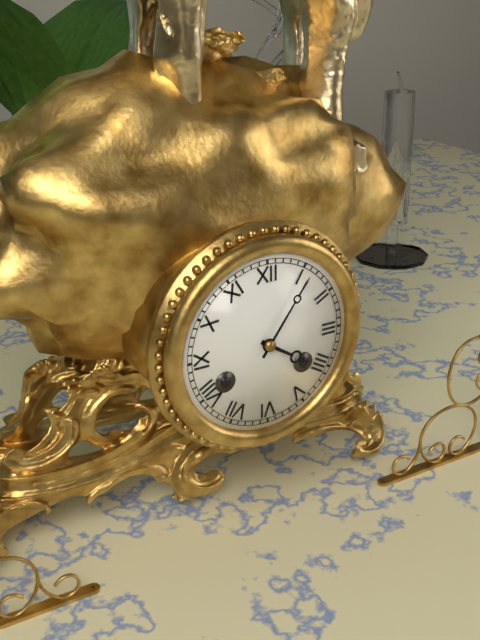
{"hour": 4, "minute": 6}
